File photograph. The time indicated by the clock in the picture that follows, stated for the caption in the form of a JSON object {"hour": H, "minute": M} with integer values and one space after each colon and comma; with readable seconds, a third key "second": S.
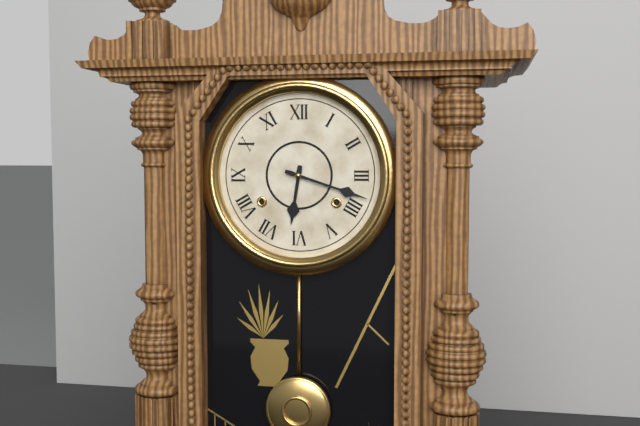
{"hour": 6, "minute": 18}
